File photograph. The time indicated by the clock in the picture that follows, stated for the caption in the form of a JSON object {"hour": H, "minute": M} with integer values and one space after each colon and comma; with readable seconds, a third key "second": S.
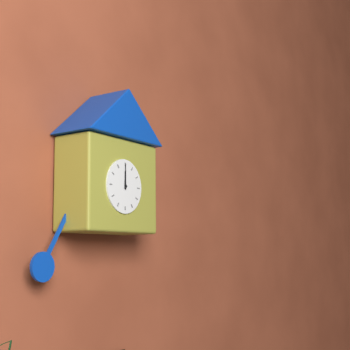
{"hour": 12, "minute": 0}
